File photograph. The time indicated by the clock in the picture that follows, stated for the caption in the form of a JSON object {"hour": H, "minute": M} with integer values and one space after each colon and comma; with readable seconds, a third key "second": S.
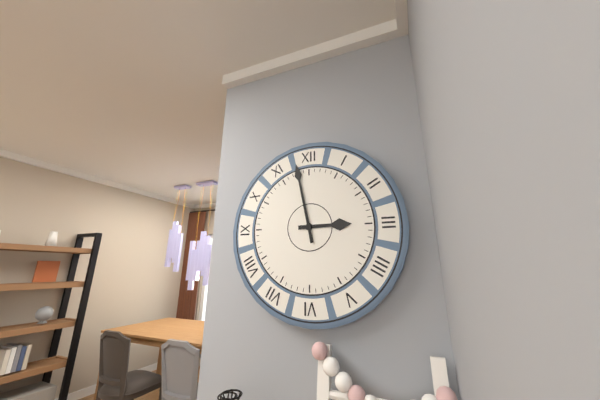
{"hour": 2, "minute": 58}
